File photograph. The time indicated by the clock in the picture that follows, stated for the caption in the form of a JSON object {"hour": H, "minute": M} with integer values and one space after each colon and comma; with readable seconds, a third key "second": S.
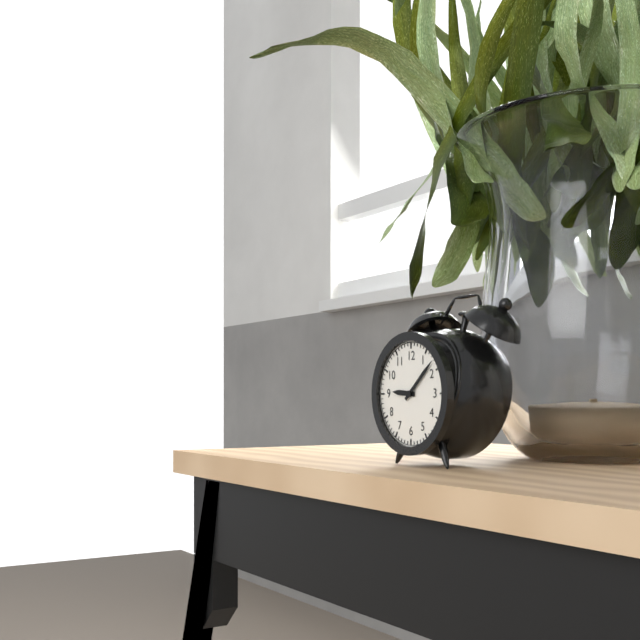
{"hour": 9, "minute": 8}
